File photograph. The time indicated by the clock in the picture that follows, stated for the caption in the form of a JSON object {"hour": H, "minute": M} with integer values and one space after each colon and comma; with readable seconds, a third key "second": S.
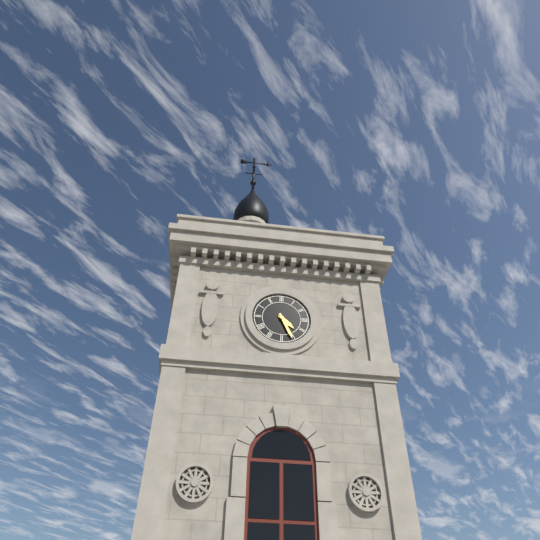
{"hour": 4, "minute": 26}
